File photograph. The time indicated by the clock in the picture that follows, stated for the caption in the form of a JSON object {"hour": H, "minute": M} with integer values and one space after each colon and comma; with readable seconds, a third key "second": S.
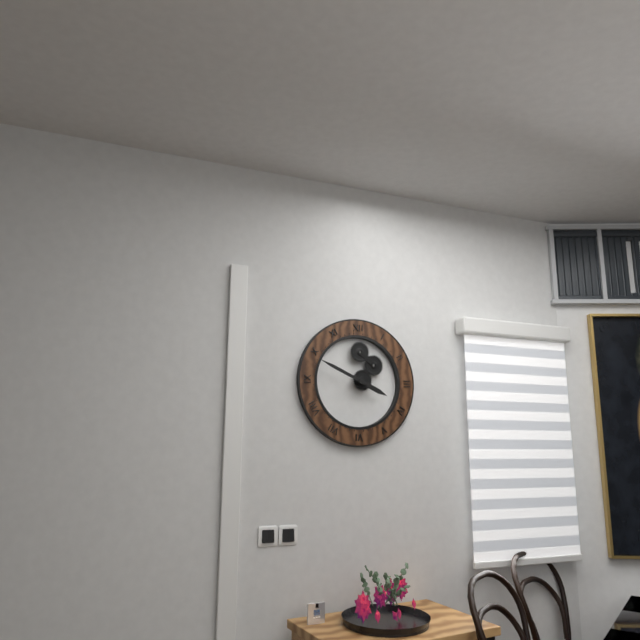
{"hour": 3, "minute": 49}
